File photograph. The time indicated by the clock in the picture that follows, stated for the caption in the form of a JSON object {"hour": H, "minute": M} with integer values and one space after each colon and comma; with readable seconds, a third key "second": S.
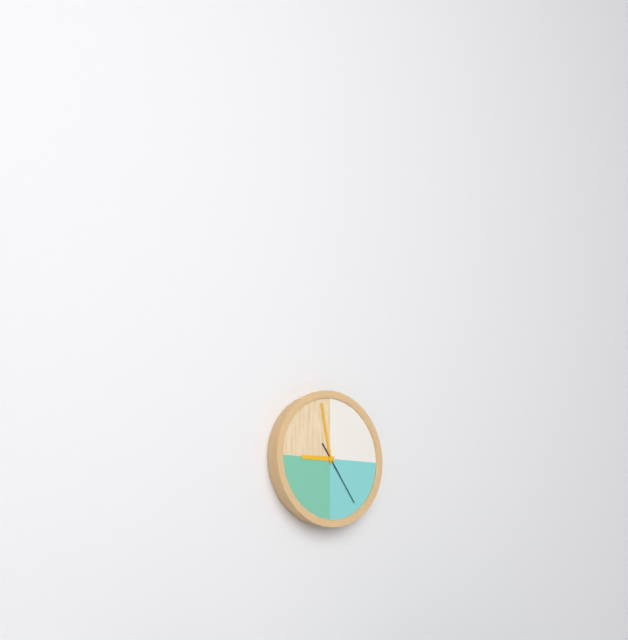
{"hour": 8, "minute": 58, "second": 24}
